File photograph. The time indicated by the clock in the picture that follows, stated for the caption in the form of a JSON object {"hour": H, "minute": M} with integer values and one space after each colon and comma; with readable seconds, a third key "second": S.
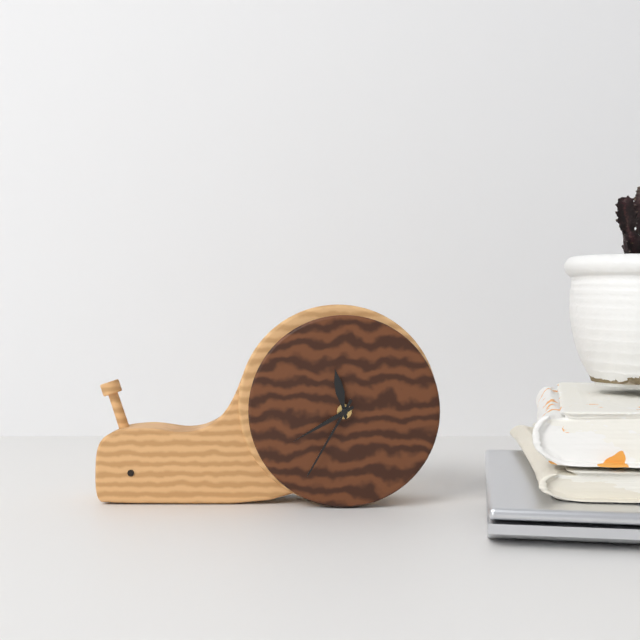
{"hour": 11, "minute": 35, "second": 40}
